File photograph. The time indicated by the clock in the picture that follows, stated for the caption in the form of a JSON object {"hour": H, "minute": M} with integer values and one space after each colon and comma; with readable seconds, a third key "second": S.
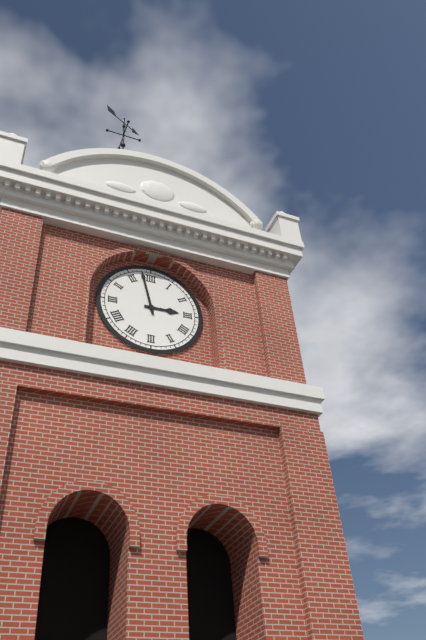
{"hour": 2, "minute": 58}
